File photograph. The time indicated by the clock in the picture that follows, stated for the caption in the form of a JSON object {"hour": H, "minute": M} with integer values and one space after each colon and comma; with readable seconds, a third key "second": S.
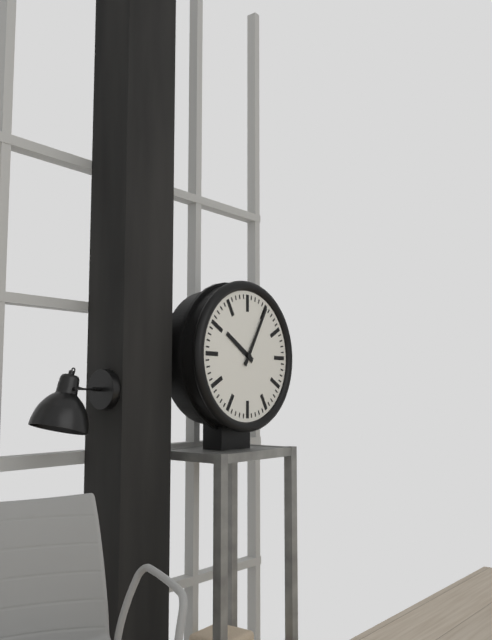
{"hour": 10, "minute": 5}
